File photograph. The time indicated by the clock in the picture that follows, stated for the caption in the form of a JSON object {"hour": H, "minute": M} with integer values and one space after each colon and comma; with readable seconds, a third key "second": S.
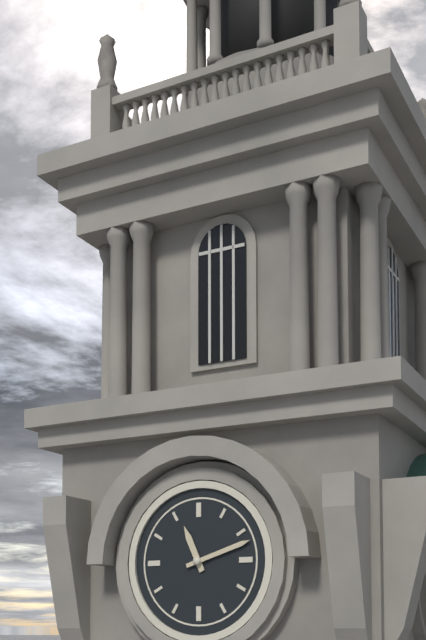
{"hour": 11, "minute": 12}
